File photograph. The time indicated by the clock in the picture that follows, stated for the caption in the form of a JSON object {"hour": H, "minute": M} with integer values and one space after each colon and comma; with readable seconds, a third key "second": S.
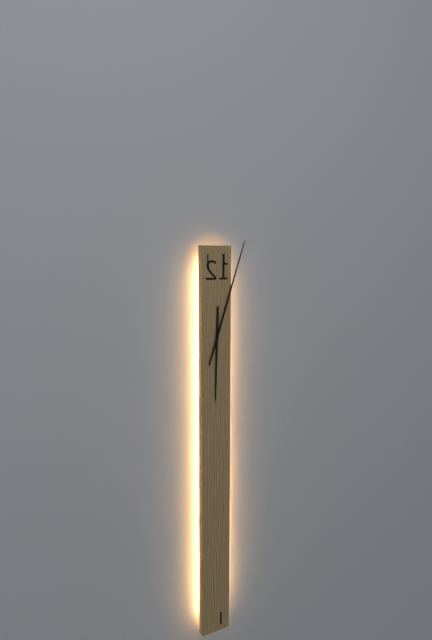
{"hour": 6, "minute": 3}
